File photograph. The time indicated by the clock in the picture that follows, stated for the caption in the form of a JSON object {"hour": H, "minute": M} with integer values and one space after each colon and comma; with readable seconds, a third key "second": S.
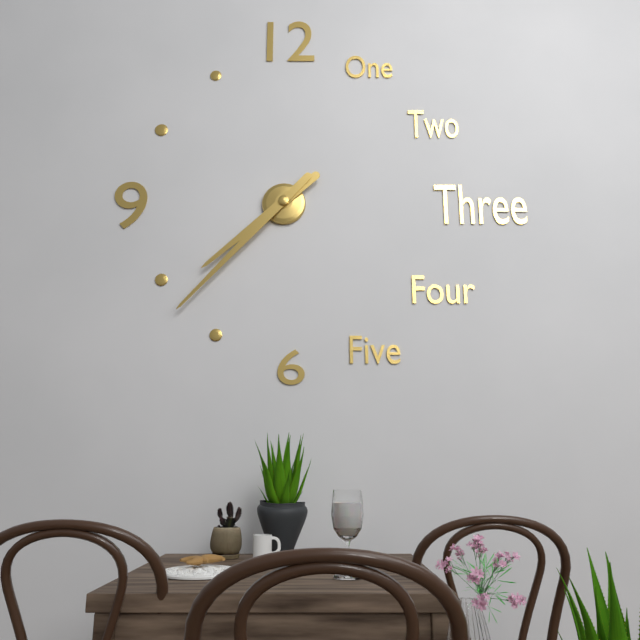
{"hour": 7, "minute": 37}
